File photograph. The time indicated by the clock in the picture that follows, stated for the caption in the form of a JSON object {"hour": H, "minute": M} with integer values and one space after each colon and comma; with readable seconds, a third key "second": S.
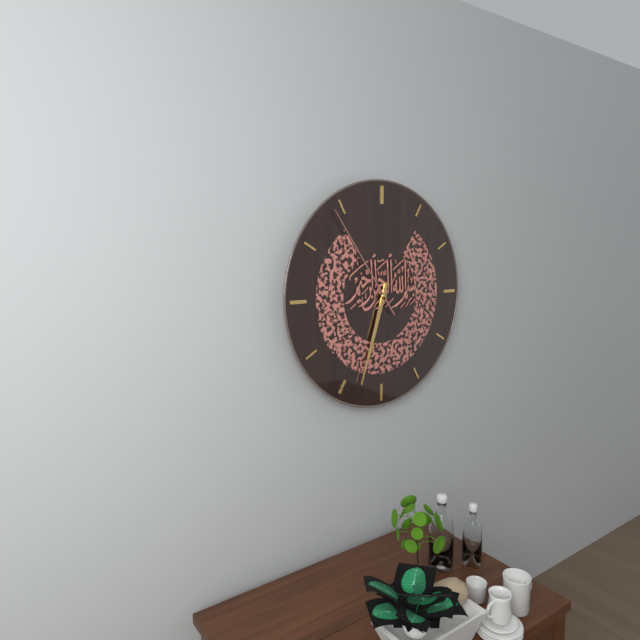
{"hour": 6, "minute": 33, "second": 54}
